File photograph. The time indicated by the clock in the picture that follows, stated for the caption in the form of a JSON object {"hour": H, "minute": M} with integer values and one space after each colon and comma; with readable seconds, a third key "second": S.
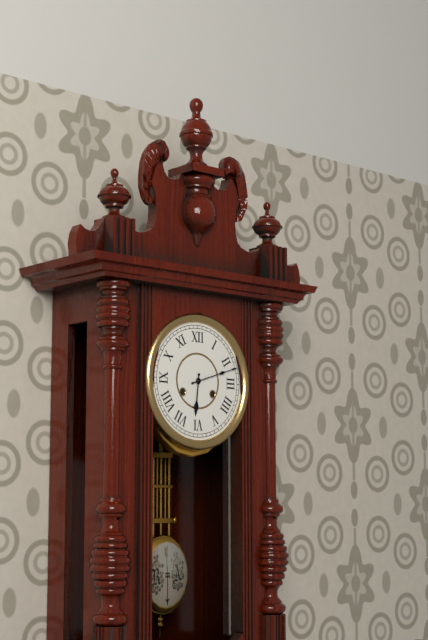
{"hour": 6, "minute": 12}
